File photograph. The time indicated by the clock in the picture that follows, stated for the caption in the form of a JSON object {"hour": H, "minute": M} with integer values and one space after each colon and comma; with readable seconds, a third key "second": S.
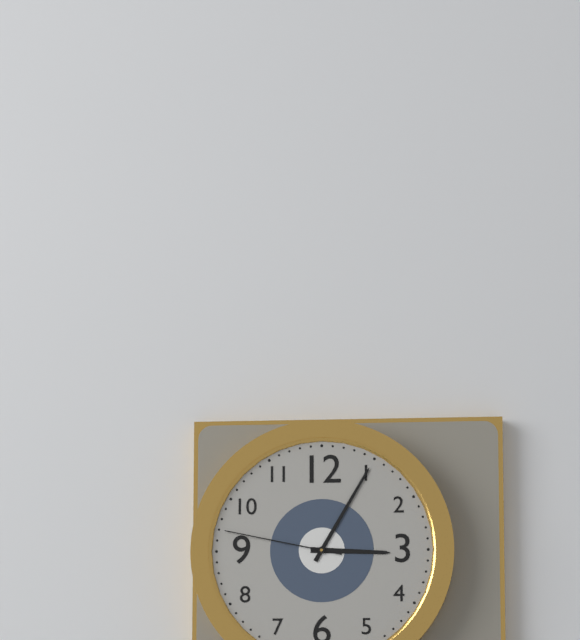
{"hour": 3, "minute": 5, "second": 47}
